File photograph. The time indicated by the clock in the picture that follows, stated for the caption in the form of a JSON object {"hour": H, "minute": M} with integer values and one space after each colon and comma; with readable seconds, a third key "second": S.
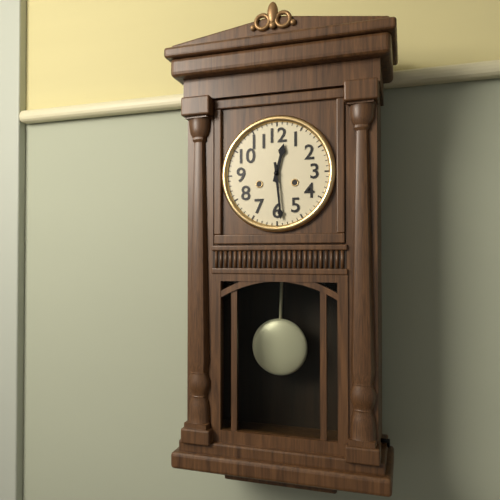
{"hour": 12, "minute": 29}
